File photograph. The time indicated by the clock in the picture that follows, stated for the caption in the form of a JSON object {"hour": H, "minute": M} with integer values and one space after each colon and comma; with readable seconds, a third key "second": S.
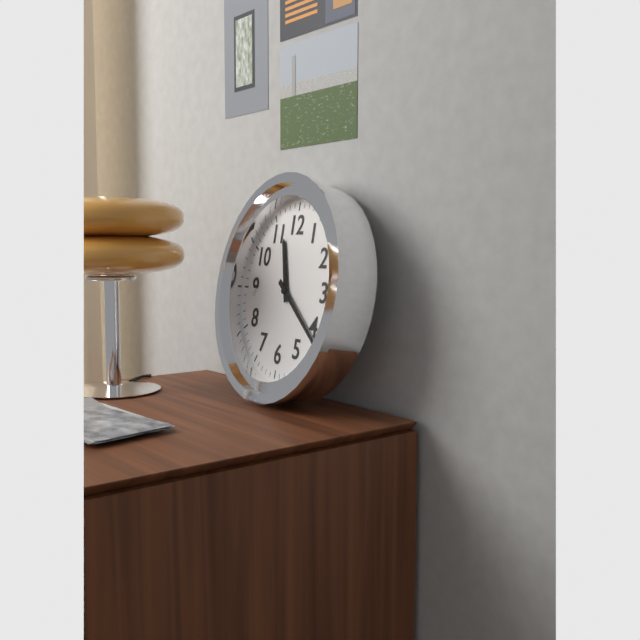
{"hour": 11, "minute": 21}
